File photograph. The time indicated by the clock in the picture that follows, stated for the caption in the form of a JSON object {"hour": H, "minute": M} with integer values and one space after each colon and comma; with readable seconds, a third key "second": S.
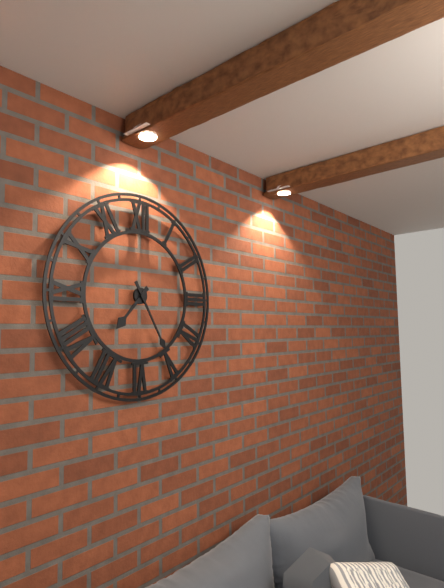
{"hour": 7, "minute": 25}
